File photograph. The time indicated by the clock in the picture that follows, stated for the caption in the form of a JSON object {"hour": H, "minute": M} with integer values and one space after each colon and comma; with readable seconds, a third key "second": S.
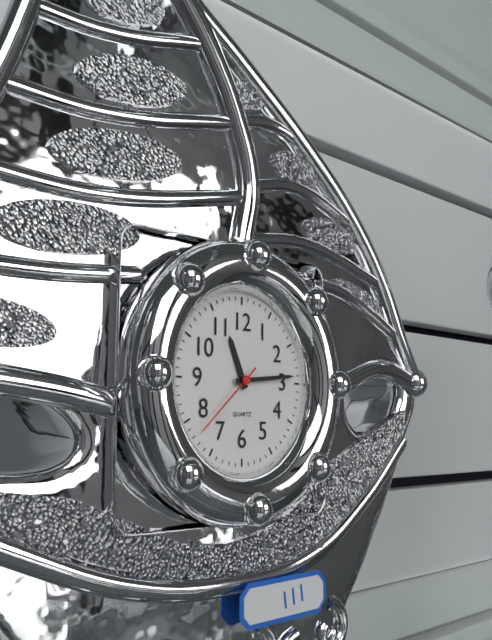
{"hour": 11, "minute": 14, "second": 38}
